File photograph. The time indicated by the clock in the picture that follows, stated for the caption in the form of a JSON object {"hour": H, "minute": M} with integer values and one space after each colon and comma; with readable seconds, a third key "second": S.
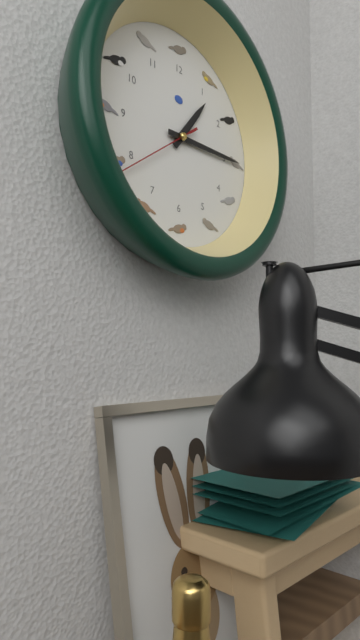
{"hour": 1, "minute": 15, "second": 39}
